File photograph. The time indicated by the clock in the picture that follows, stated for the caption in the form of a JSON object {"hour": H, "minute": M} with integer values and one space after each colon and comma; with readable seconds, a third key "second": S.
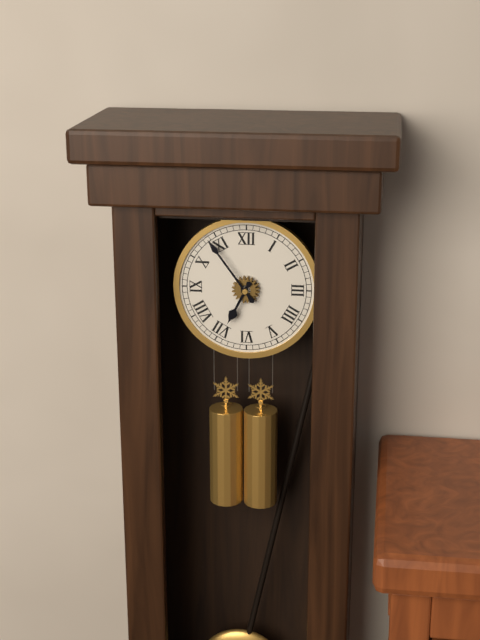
{"hour": 6, "minute": 54}
